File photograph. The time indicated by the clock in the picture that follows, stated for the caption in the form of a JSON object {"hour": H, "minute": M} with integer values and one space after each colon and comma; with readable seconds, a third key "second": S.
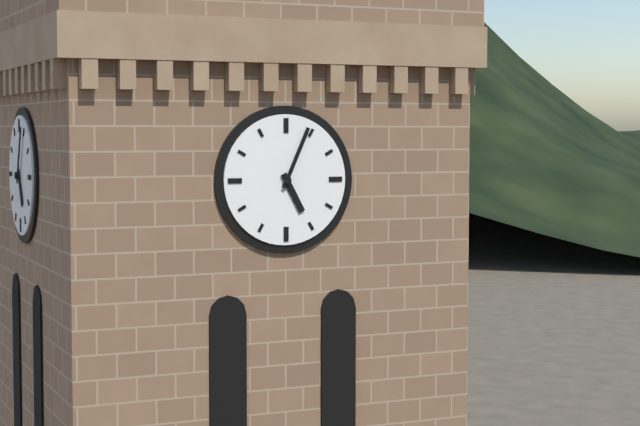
{"hour": 5, "minute": 4}
